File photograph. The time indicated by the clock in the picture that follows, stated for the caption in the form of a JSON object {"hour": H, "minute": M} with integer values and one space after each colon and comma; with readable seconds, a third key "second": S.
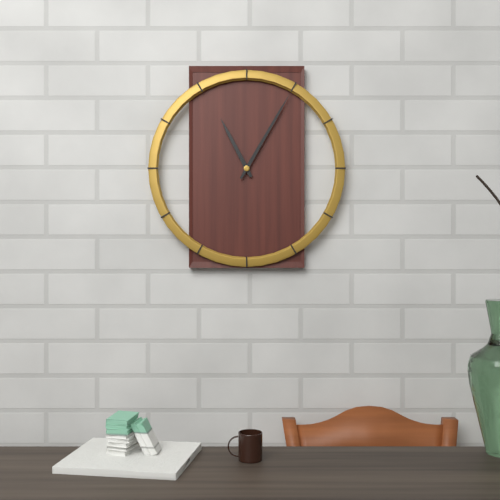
{"hour": 11, "minute": 5}
